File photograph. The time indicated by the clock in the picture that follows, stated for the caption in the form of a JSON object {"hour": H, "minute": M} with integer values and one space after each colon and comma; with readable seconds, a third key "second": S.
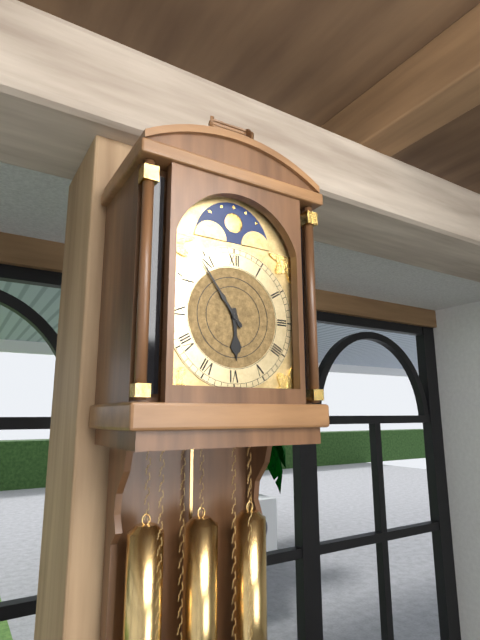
{"hour": 5, "minute": 54}
